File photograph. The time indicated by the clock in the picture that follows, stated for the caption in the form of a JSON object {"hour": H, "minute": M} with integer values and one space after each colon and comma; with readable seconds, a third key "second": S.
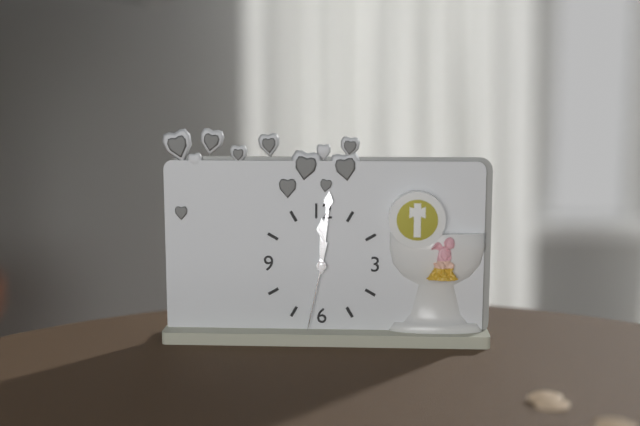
{"hour": 12, "minute": 1, "second": 32}
